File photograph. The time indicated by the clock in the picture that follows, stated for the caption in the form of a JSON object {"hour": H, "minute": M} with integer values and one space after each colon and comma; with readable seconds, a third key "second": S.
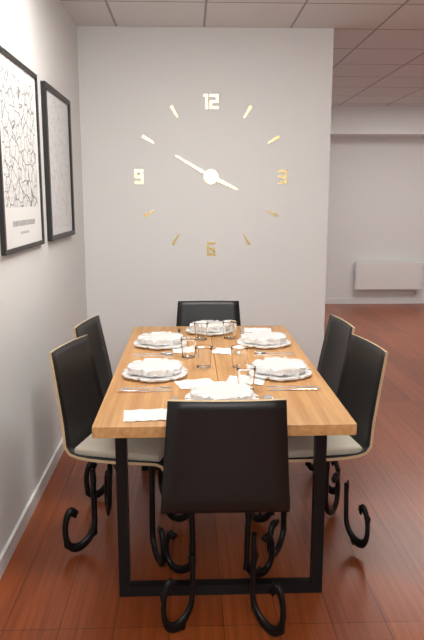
{"hour": 3, "minute": 50}
